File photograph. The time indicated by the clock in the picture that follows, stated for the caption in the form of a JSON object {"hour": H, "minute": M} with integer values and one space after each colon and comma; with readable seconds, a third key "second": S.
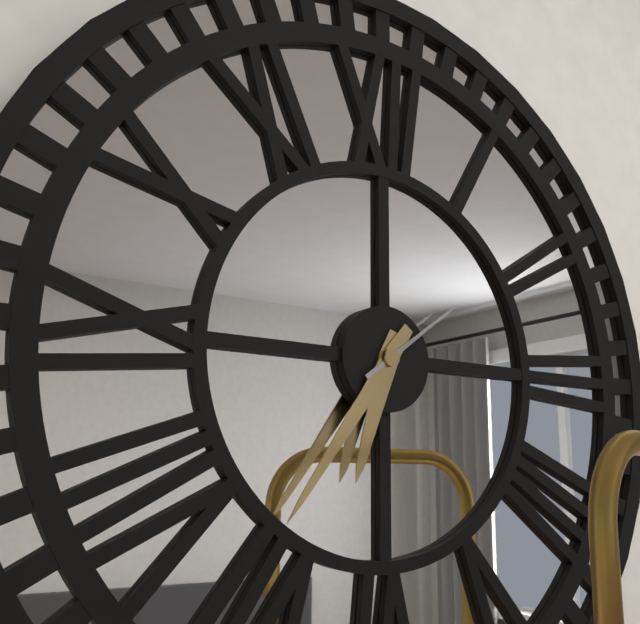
{"hour": 6, "minute": 36, "second": 9}
